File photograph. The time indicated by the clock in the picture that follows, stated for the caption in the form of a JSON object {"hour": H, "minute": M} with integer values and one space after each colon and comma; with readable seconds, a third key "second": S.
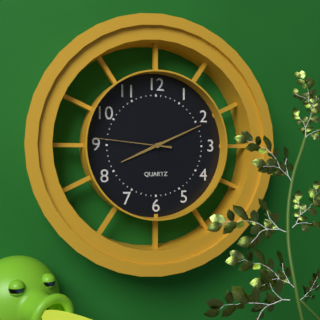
{"hour": 8, "minute": 11, "second": 46}
